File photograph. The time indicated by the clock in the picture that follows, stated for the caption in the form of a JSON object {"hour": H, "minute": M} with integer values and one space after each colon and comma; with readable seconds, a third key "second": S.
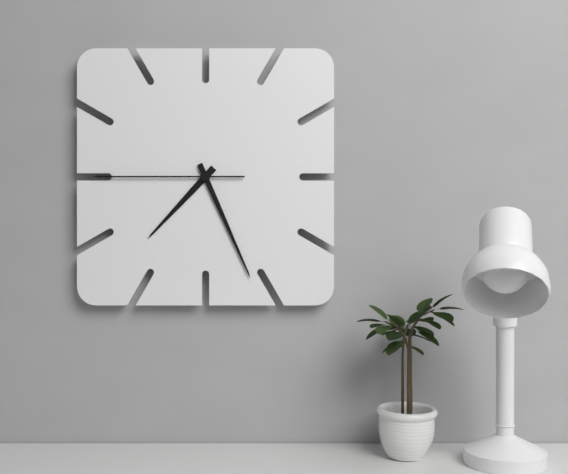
{"hour": 7, "minute": 26, "second": 45}
